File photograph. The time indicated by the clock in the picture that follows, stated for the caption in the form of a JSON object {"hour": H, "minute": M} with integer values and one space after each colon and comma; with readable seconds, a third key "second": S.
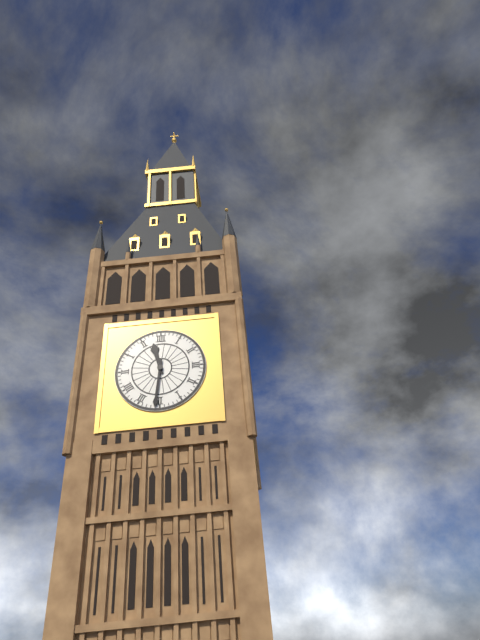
{"hour": 11, "minute": 31}
